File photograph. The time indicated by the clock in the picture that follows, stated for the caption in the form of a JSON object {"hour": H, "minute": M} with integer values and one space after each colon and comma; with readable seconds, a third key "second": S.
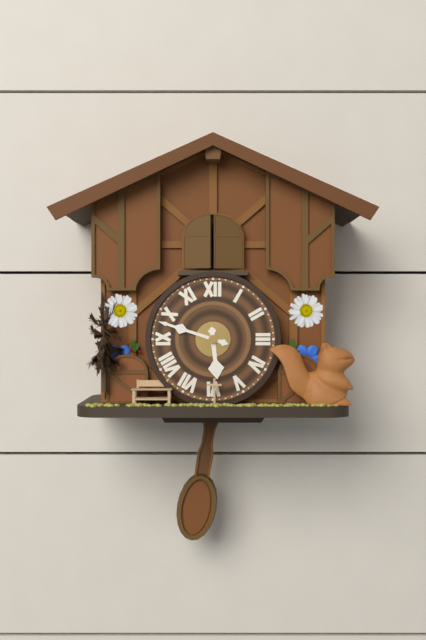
{"hour": 5, "minute": 48}
